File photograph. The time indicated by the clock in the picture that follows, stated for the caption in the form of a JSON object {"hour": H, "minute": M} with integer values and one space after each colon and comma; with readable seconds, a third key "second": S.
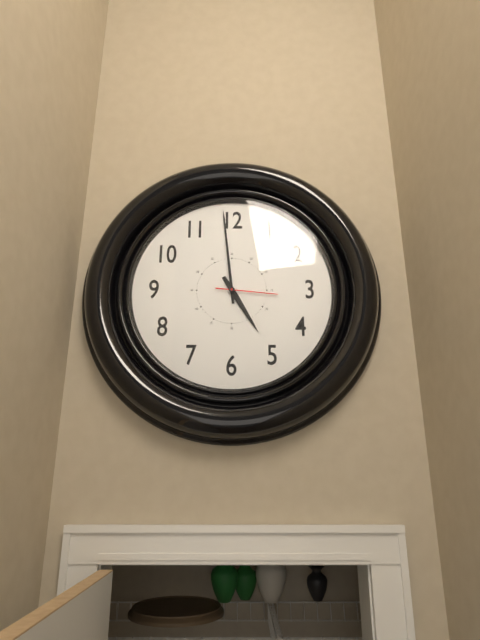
{"hour": 4, "minute": 59, "second": 16}
